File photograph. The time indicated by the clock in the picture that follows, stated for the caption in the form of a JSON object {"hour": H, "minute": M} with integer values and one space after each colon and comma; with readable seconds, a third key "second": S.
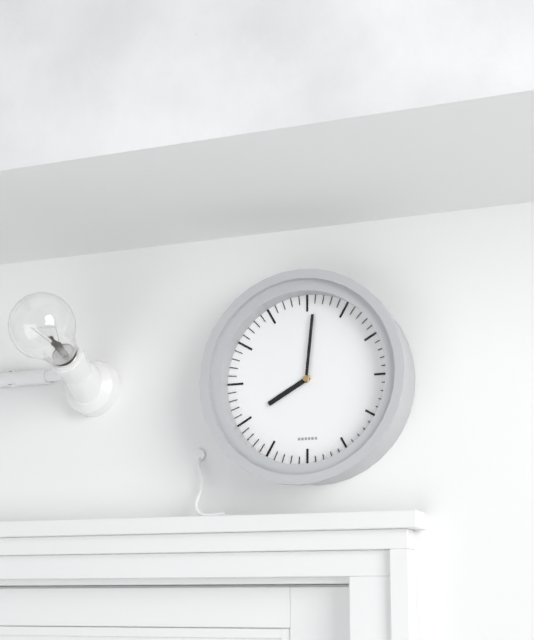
{"hour": 8, "minute": 1}
